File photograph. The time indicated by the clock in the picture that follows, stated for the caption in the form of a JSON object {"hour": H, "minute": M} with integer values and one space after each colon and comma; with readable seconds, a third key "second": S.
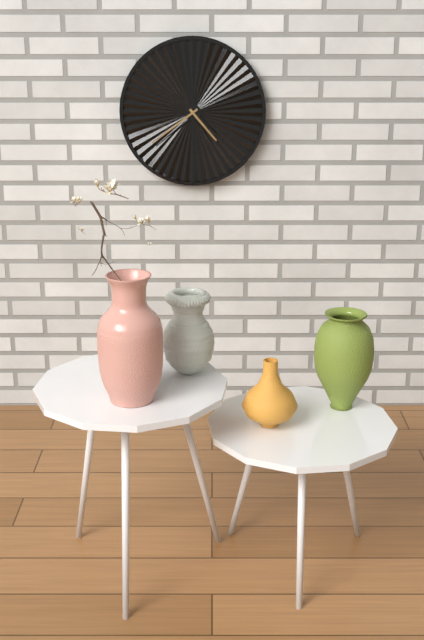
{"hour": 4, "minute": 39}
